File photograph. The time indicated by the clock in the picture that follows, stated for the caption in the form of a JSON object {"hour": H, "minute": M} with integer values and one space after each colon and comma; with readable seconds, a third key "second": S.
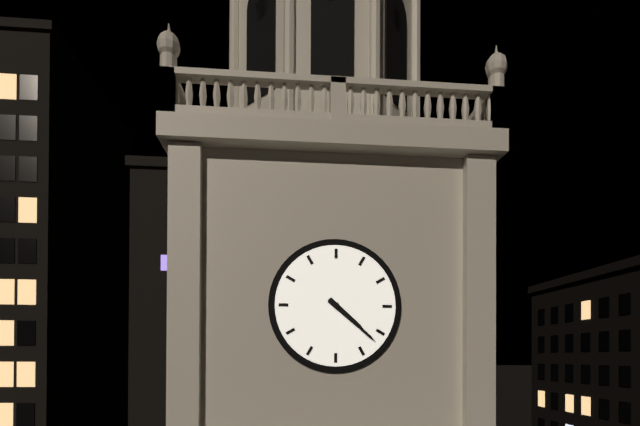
{"hour": 4, "minute": 22}
